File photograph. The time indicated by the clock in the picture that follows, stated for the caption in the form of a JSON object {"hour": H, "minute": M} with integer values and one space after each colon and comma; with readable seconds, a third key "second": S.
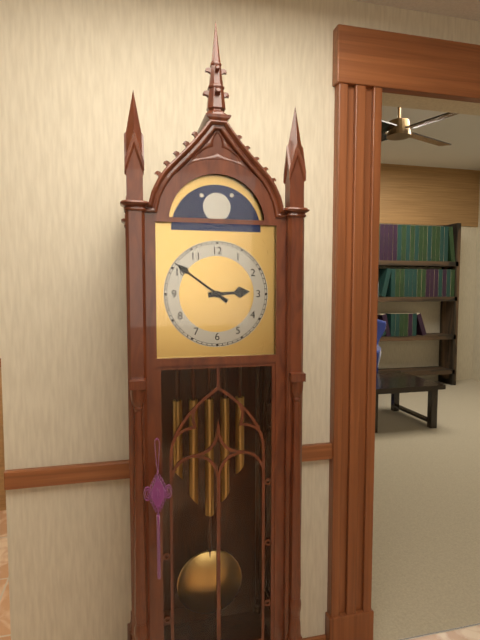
{"hour": 2, "minute": 51}
